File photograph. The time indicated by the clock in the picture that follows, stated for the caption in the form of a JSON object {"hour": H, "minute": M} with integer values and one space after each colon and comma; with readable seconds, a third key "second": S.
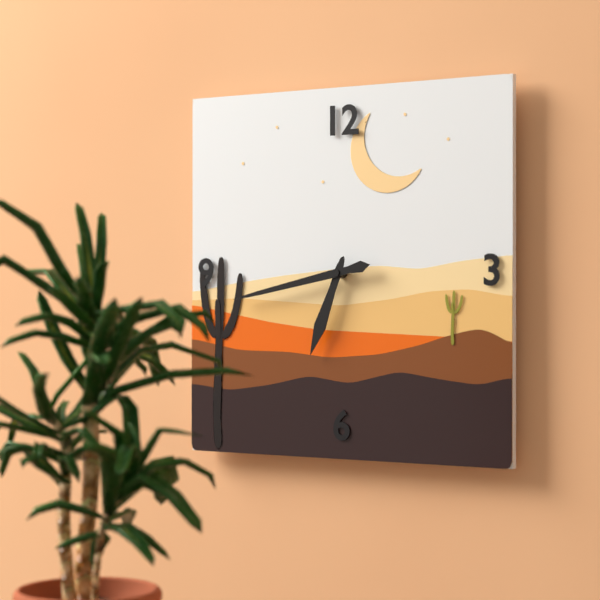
{"hour": 6, "minute": 43}
